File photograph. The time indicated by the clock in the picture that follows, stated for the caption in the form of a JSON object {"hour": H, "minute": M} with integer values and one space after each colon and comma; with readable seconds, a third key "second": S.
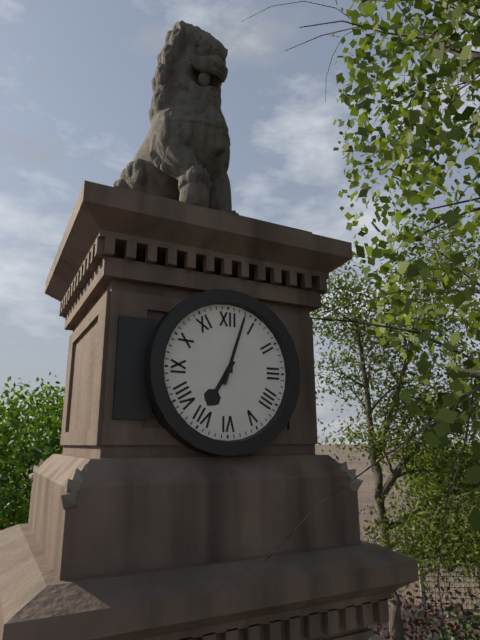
{"hour": 7, "minute": 3}
